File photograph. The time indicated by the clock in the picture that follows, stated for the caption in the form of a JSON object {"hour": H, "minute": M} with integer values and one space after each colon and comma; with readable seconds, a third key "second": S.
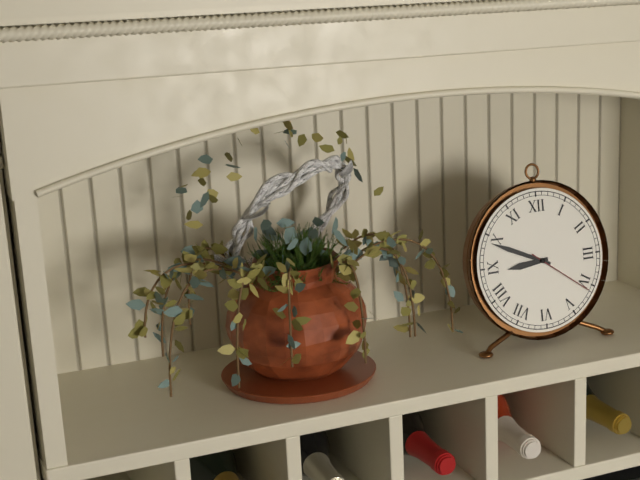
{"hour": 8, "minute": 49, "second": 21}
